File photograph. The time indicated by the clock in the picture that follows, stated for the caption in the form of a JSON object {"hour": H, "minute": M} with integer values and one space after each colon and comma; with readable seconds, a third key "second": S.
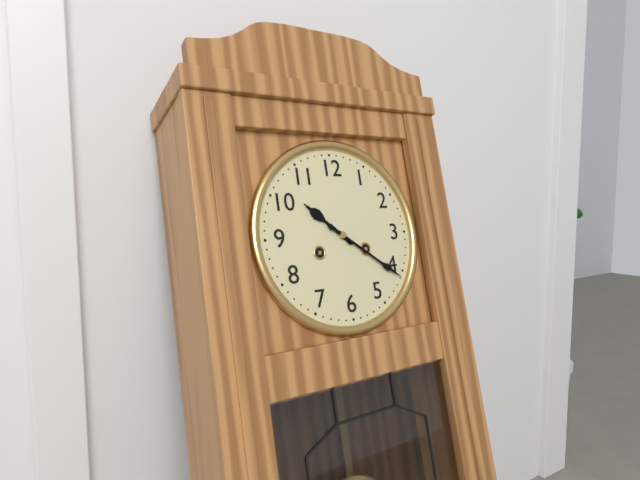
{"hour": 10, "minute": 21}
